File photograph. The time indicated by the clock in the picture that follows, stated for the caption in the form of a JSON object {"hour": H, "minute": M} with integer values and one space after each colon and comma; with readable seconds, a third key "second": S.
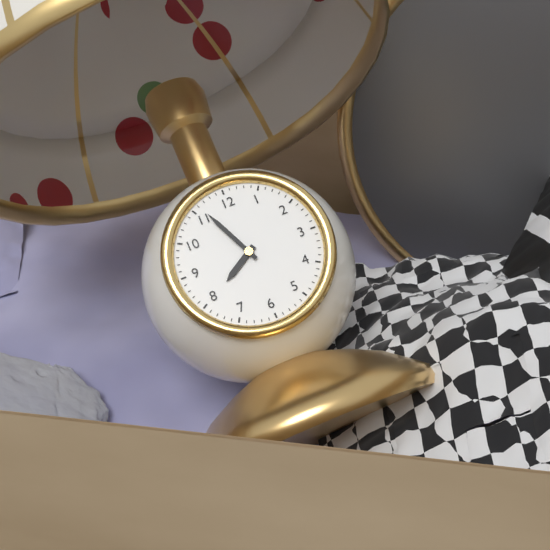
{"hour": 7, "minute": 56}
